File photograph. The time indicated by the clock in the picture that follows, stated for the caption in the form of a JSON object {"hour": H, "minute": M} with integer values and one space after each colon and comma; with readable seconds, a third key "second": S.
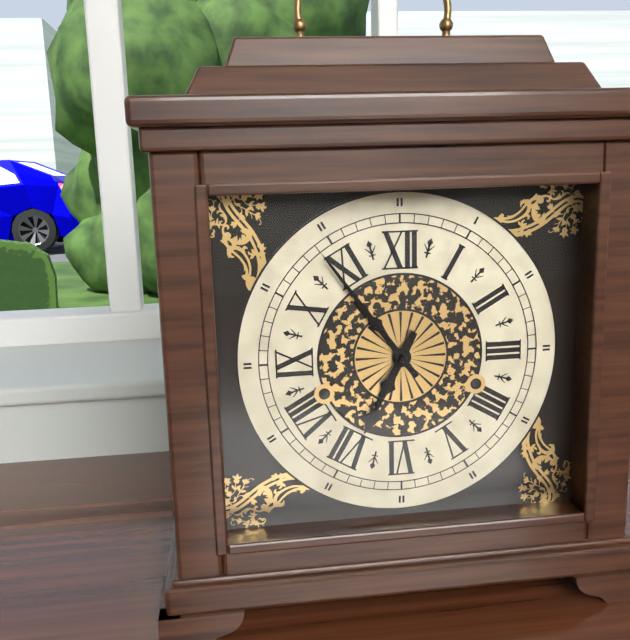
{"hour": 6, "minute": 54}
